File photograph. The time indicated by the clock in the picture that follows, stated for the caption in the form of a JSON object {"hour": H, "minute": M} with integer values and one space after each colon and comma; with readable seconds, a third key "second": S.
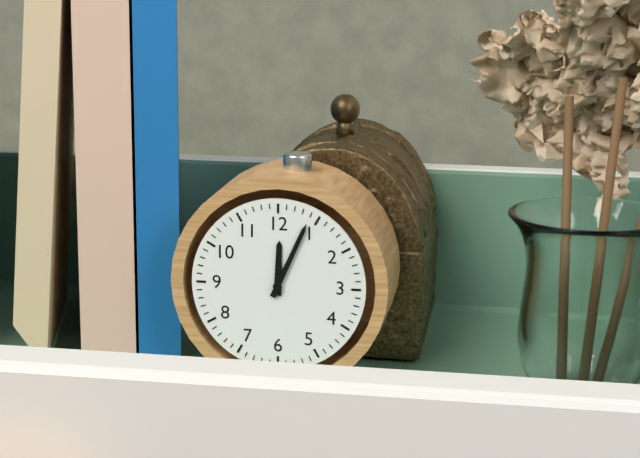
{"hour": 12, "minute": 4}
